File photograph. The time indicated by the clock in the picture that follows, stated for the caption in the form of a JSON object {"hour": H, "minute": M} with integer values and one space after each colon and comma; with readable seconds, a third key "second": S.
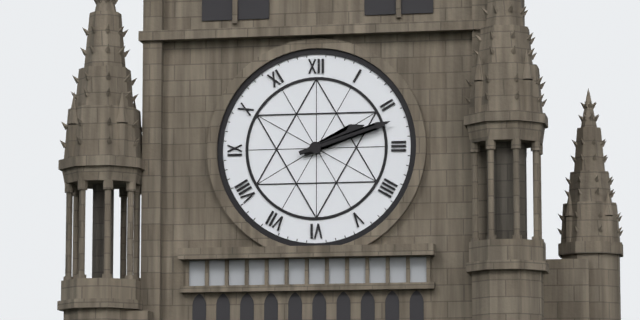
{"hour": 2, "minute": 12}
